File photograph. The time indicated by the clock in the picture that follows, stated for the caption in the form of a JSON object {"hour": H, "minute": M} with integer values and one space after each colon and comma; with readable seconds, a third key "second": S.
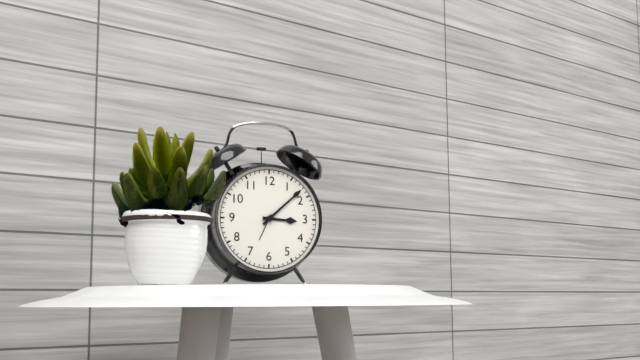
{"hour": 3, "minute": 8}
